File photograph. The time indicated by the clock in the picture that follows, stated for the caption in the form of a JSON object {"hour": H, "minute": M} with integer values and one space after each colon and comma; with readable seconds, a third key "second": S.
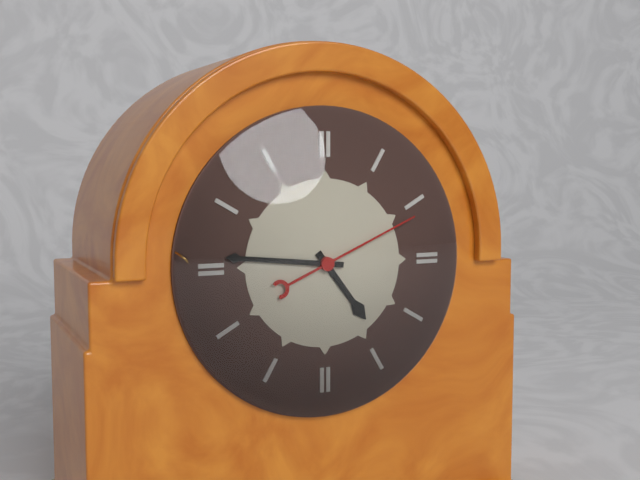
{"hour": 4, "minute": 46, "second": 11}
